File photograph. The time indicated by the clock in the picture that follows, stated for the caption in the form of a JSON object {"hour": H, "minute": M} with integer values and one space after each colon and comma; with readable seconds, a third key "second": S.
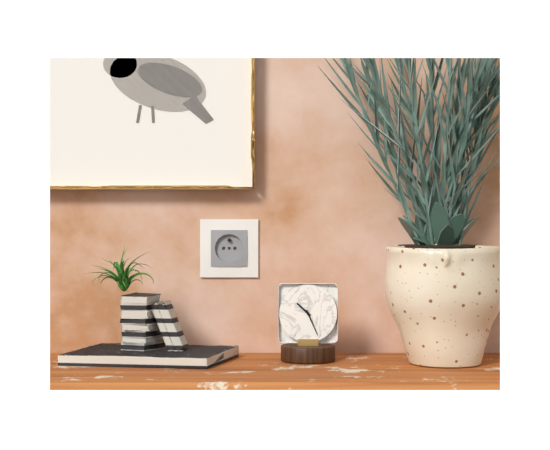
{"hour": 10, "minute": 26}
